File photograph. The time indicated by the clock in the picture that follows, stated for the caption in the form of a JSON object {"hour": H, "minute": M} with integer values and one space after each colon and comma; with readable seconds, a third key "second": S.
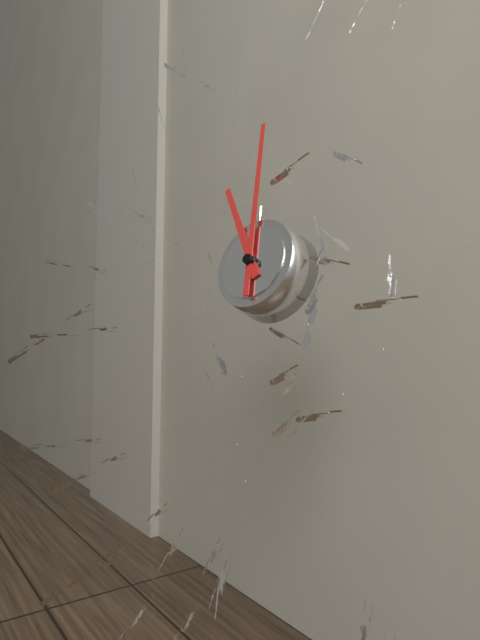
{"hour": 10, "minute": 59}
